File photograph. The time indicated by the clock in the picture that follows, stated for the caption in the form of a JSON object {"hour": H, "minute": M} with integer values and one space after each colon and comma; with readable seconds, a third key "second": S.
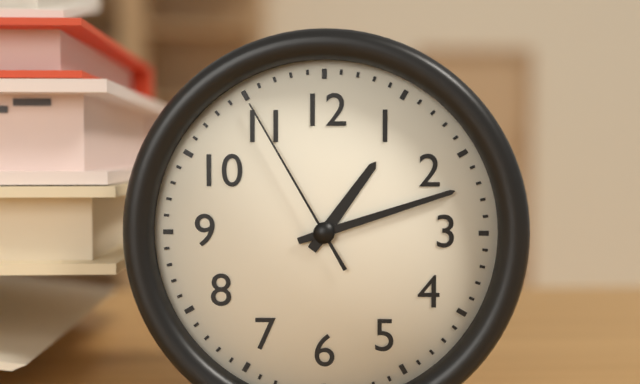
{"hour": 1, "minute": 12, "second": 55}
